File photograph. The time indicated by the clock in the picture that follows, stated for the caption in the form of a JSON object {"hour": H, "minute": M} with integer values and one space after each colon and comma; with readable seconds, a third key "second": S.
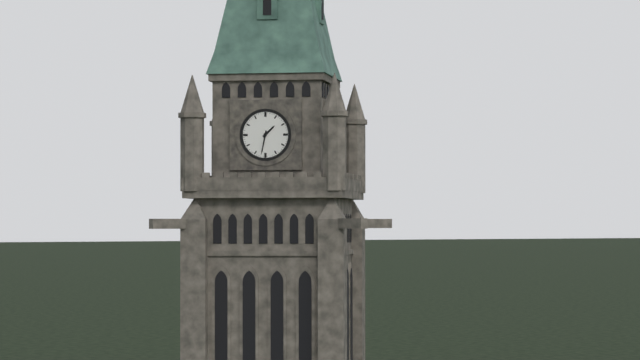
{"hour": 1, "minute": 32}
